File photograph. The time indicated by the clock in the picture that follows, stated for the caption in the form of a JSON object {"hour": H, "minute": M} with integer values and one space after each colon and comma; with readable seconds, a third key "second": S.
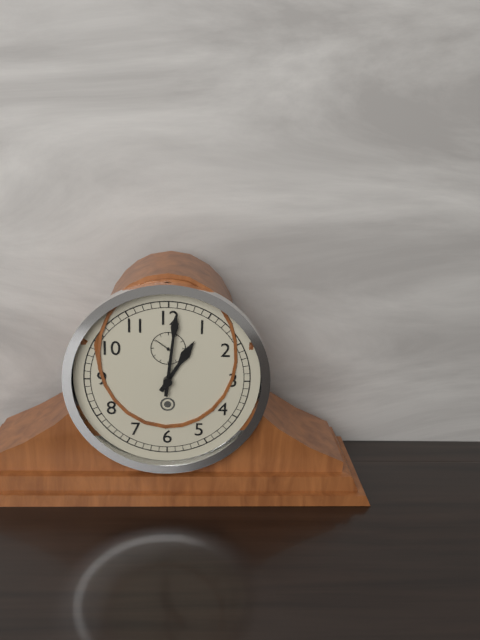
{"hour": 1, "minute": 1}
